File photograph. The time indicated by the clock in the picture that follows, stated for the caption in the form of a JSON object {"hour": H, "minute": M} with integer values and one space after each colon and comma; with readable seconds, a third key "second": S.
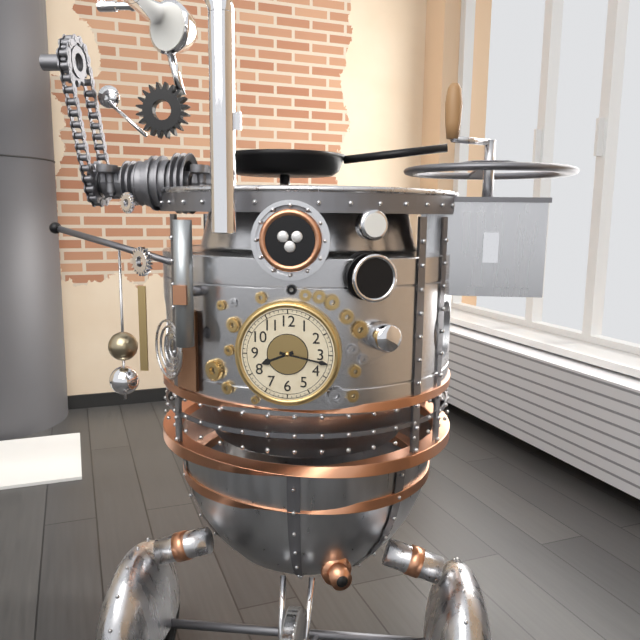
{"hour": 8, "minute": 17}
